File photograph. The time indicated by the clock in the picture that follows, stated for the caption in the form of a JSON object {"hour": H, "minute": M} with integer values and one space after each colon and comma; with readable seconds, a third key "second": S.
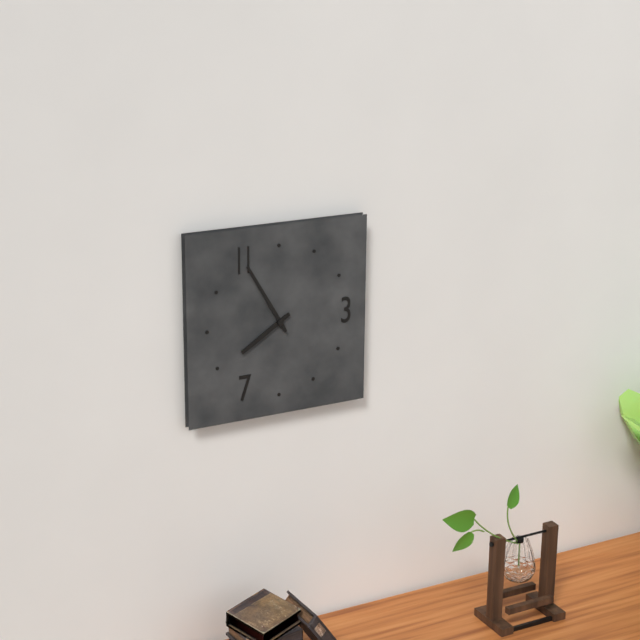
{"hour": 7, "minute": 55}
